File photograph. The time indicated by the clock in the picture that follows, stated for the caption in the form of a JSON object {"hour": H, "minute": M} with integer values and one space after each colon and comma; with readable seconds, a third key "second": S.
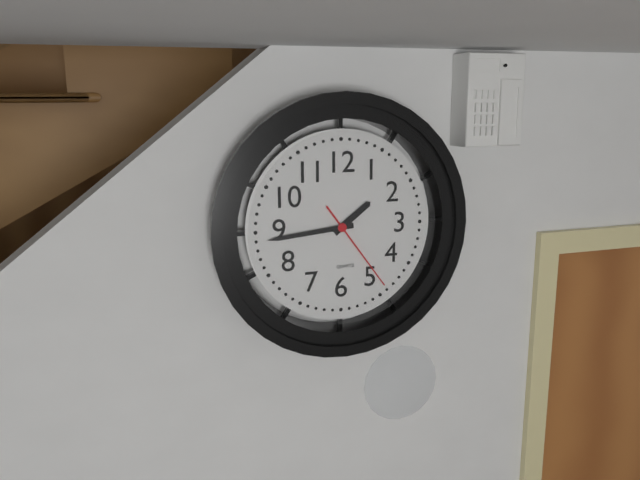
{"hour": 1, "minute": 44, "second": 24}
